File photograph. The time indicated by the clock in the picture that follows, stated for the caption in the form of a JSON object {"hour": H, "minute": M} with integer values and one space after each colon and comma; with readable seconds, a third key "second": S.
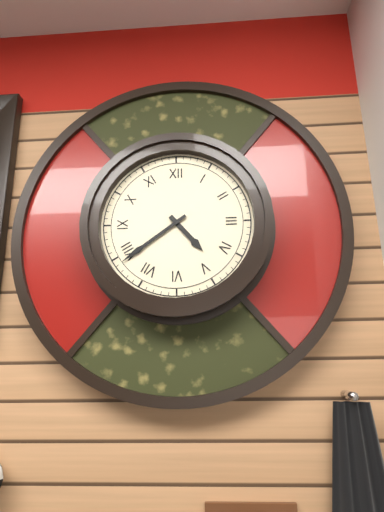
{"hour": 4, "minute": 39}
